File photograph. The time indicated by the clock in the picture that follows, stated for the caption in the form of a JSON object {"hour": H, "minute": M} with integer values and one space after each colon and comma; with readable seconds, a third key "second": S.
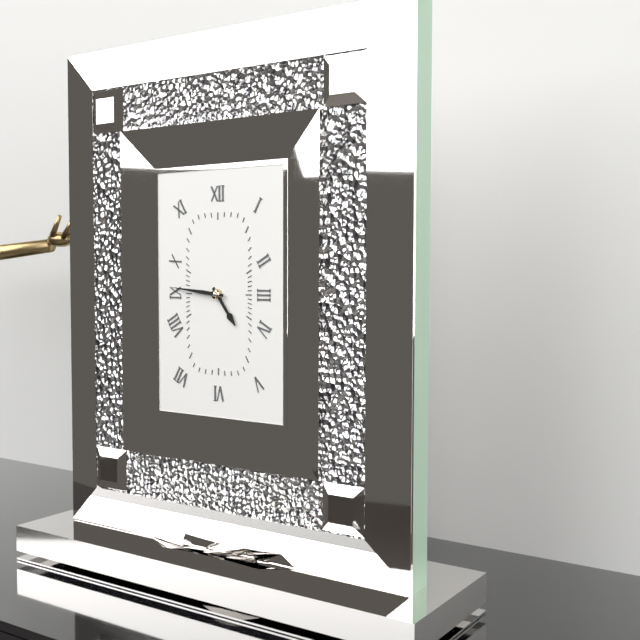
{"hour": 4, "minute": 46}
